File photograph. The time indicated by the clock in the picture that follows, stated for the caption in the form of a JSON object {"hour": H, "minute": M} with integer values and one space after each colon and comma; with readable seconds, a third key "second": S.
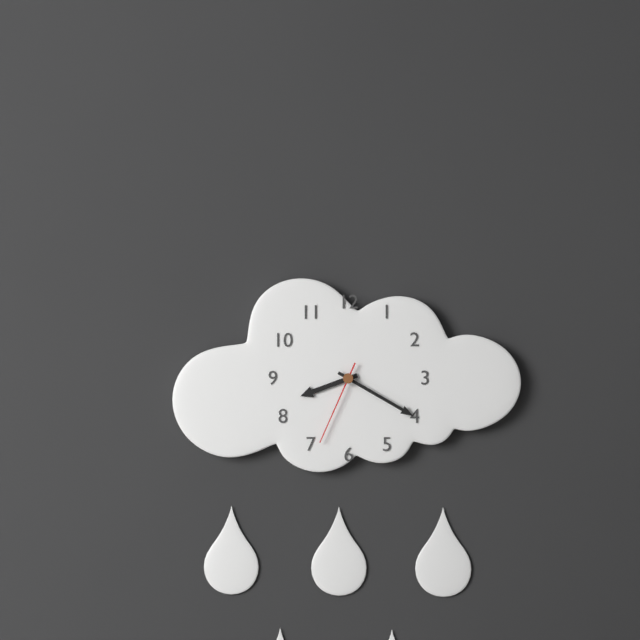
{"hour": 8, "minute": 20, "second": 34}
